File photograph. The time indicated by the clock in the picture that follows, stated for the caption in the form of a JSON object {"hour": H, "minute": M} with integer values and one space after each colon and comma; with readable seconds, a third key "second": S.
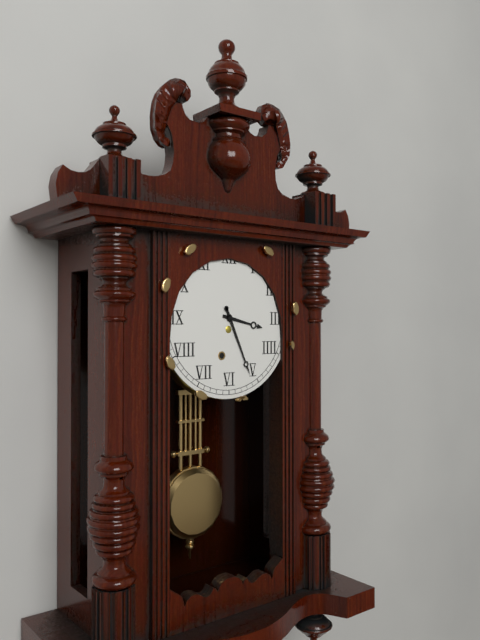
{"hour": 3, "minute": 26}
